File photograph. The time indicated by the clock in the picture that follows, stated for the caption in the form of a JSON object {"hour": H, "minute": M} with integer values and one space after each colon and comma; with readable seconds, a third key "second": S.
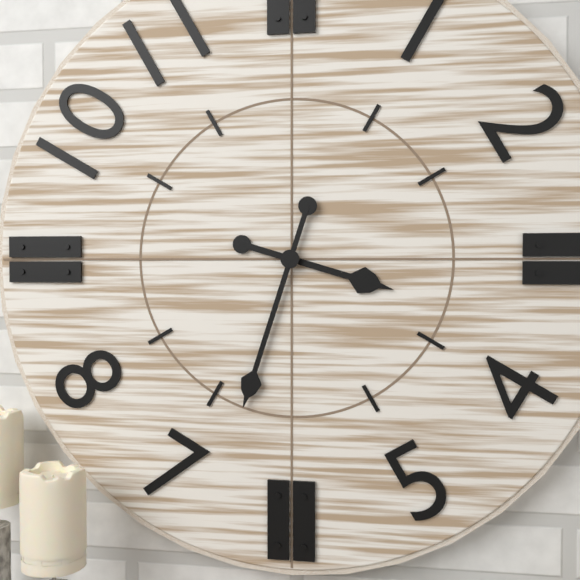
{"hour": 3, "minute": 33}
